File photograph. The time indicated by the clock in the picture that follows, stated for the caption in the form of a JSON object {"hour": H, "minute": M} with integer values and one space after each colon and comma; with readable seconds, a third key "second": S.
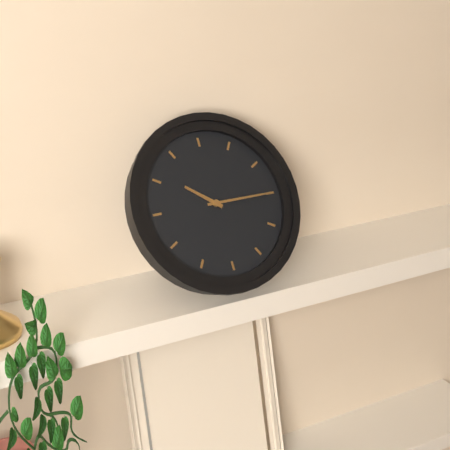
{"hour": 10, "minute": 15}
